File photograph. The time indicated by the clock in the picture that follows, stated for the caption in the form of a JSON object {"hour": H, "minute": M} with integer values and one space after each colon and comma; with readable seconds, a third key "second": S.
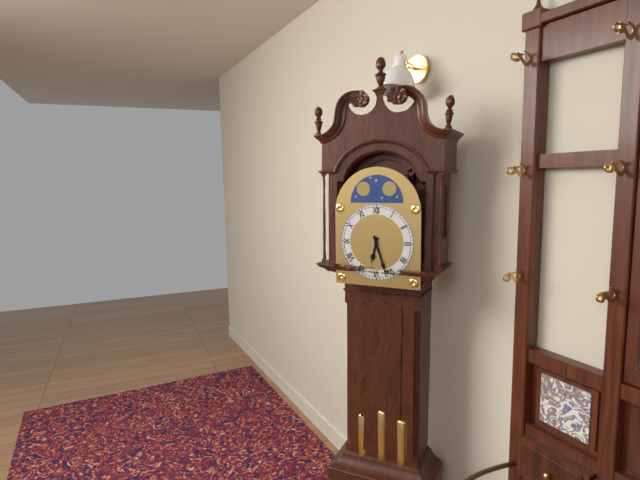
{"hour": 6, "minute": 27}
